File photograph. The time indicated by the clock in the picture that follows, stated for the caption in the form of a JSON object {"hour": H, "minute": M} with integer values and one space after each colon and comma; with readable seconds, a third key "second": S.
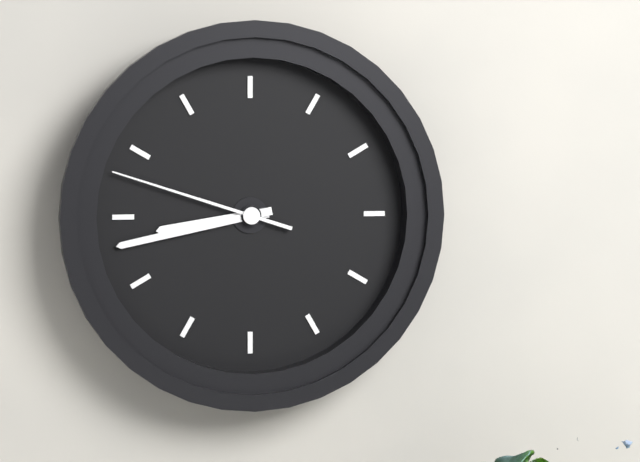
{"hour": 8, "minute": 43, "second": 48}
